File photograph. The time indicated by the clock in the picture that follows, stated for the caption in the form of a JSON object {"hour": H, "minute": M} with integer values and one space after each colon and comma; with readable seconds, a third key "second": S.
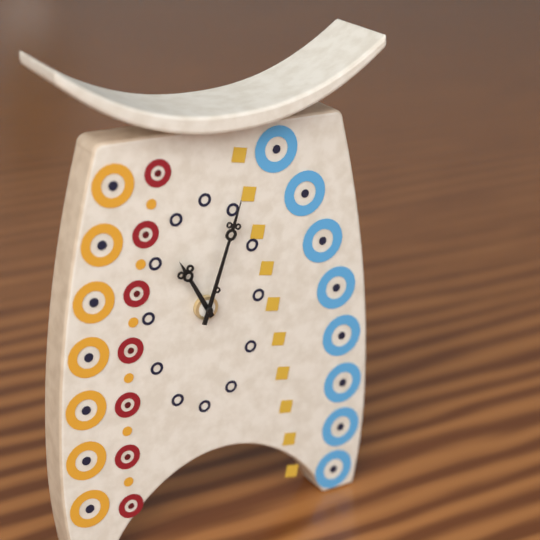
{"hour": 11, "minute": 3}
